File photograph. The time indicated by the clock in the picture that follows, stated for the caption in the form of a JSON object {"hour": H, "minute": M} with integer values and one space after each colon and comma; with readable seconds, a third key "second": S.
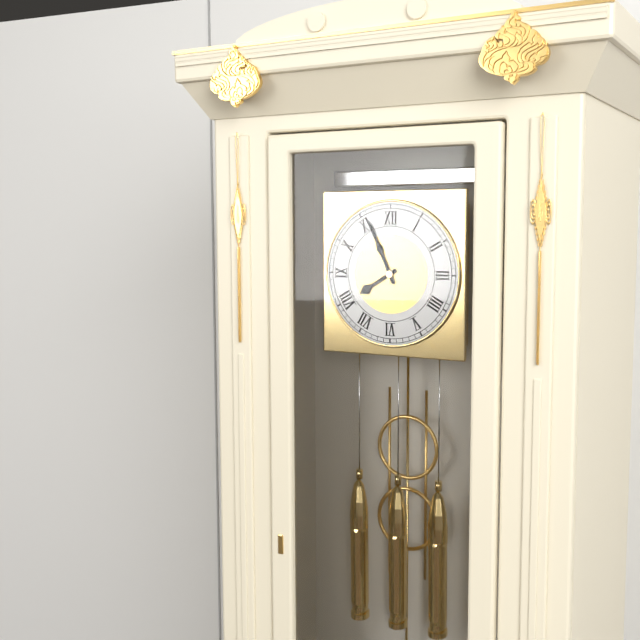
{"hour": 7, "minute": 56}
